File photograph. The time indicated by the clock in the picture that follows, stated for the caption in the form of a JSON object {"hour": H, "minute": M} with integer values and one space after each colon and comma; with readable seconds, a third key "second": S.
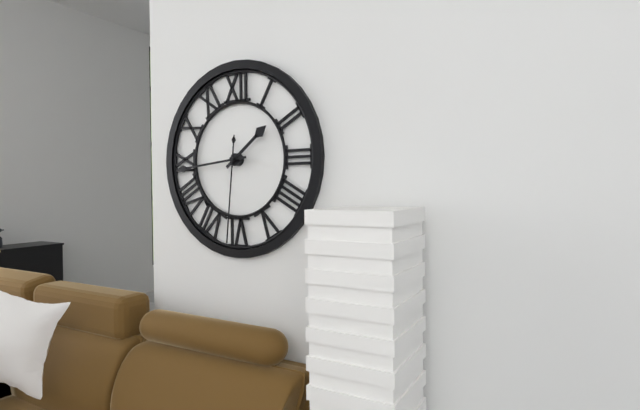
{"hour": 1, "minute": 44, "second": 31}
